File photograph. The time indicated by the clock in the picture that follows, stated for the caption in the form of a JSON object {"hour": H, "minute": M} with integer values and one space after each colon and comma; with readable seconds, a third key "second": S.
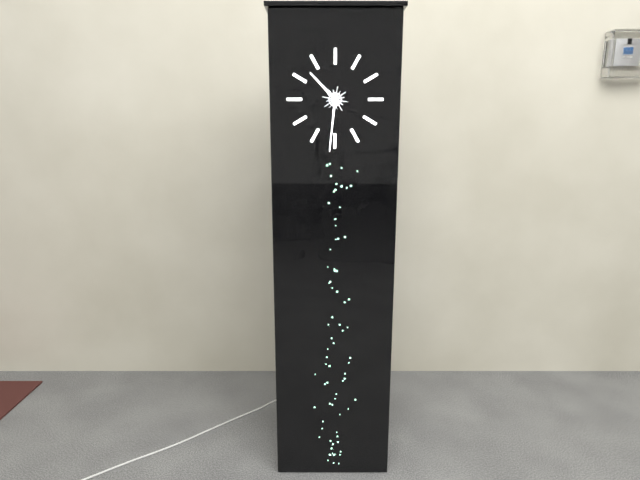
{"hour": 10, "minute": 31}
